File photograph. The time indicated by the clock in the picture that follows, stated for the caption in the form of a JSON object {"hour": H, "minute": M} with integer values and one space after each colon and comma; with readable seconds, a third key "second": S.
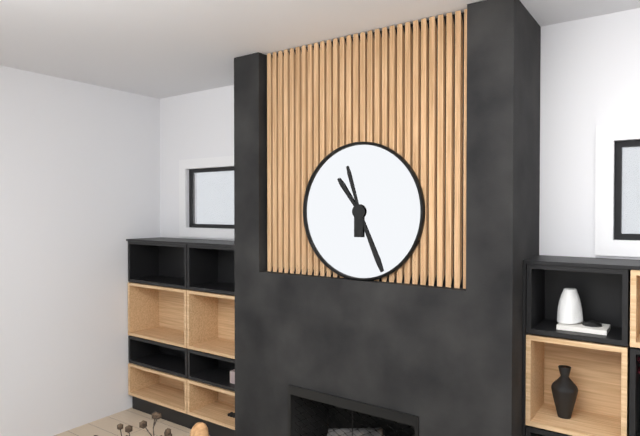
{"hour": 11, "minute": 26}
